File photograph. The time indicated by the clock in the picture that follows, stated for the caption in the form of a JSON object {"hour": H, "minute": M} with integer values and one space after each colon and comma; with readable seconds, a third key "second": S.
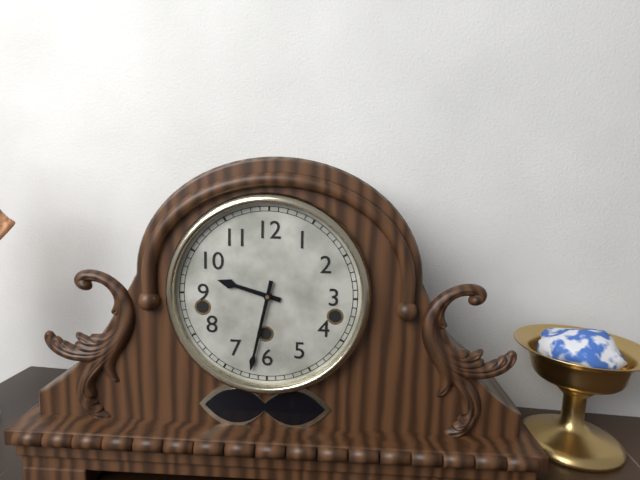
{"hour": 9, "minute": 32}
